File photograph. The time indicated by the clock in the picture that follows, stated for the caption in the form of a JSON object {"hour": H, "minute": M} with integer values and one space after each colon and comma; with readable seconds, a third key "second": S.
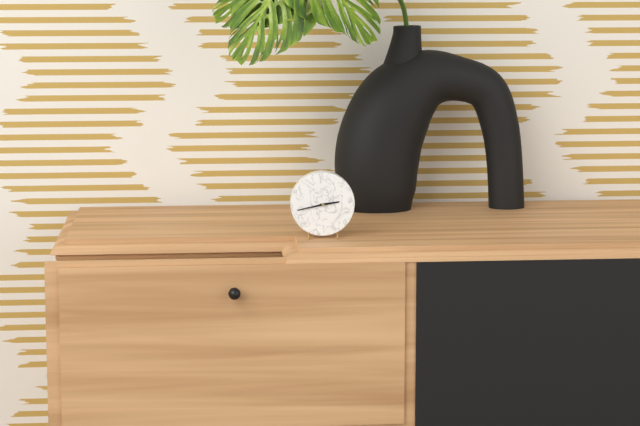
{"hour": 2, "minute": 43}
